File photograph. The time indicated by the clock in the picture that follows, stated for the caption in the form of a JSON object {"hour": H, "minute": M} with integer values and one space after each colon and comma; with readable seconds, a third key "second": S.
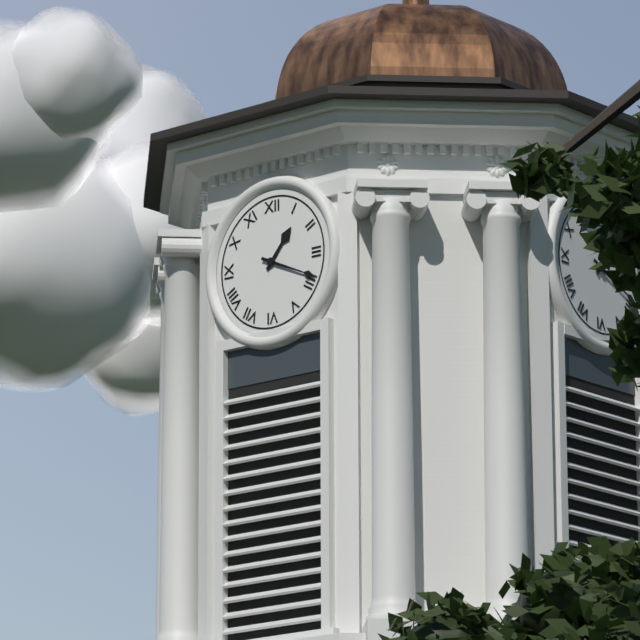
{"hour": 1, "minute": 19}
